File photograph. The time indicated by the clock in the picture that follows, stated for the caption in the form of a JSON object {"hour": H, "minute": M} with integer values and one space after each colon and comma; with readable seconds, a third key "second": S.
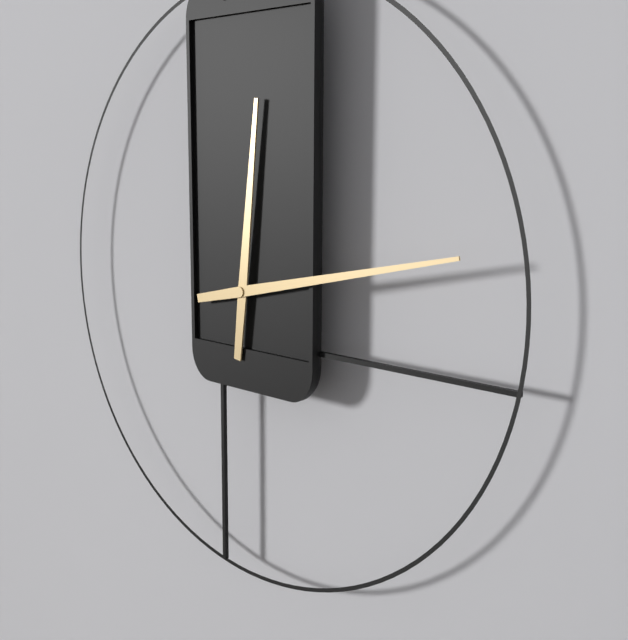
{"hour": 12, "minute": 13}
